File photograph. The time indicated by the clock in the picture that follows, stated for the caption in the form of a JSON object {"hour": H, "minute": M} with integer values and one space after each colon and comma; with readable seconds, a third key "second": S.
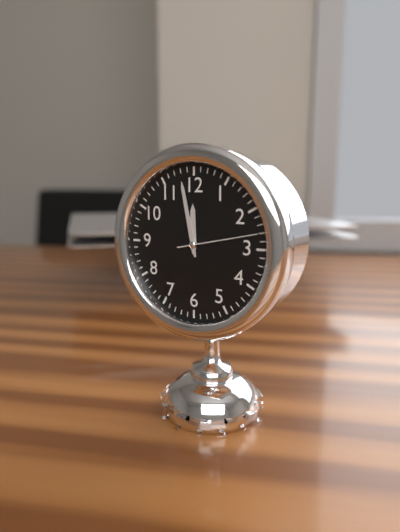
{"hour": 11, "minute": 58, "second": 13}
